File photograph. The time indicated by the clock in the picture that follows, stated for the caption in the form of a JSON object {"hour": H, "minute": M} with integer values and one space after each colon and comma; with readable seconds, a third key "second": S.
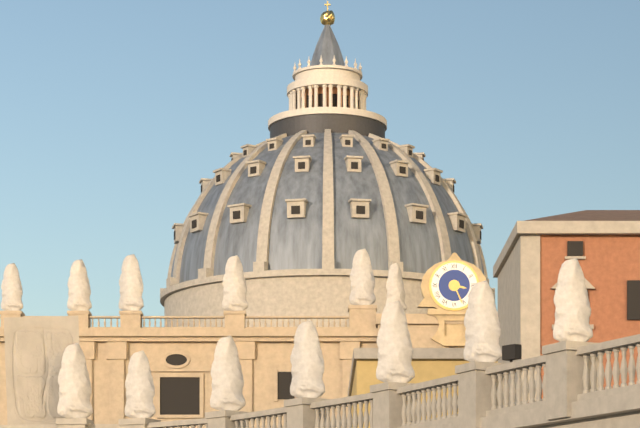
{"hour": 3, "minute": 26}
